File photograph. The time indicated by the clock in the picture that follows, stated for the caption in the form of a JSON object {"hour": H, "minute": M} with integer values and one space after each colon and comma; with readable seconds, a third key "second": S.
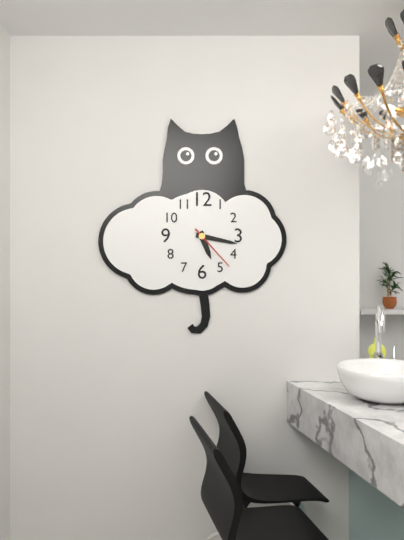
{"hour": 5, "minute": 17, "second": 23}
